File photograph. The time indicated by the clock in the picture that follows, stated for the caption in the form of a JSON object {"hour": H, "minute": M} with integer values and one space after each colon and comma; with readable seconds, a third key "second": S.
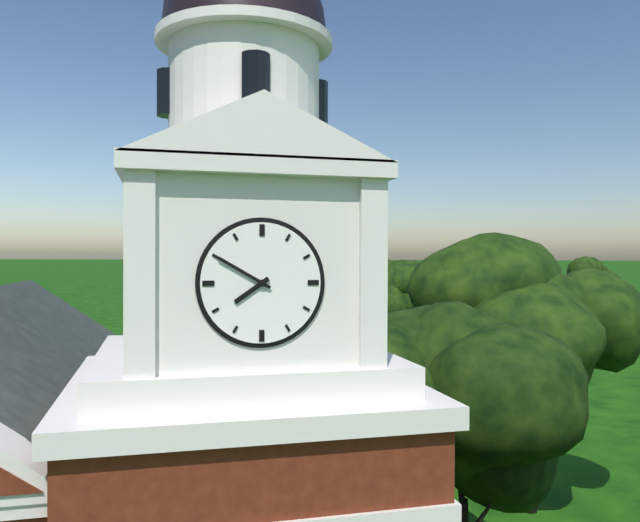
{"hour": 7, "minute": 50}
